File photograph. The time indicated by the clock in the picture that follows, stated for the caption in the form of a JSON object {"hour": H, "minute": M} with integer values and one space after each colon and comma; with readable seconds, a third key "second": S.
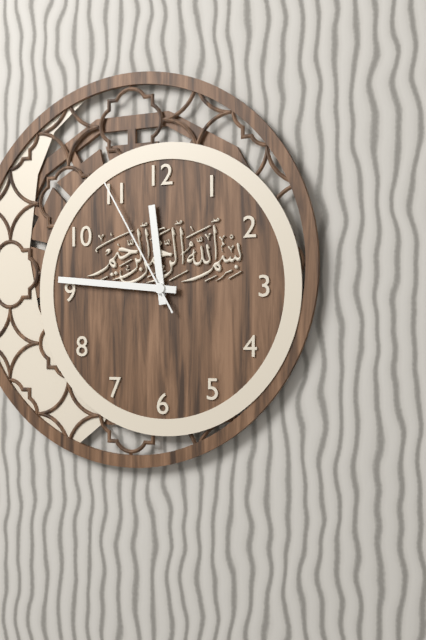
{"hour": 11, "minute": 46, "second": 55}
